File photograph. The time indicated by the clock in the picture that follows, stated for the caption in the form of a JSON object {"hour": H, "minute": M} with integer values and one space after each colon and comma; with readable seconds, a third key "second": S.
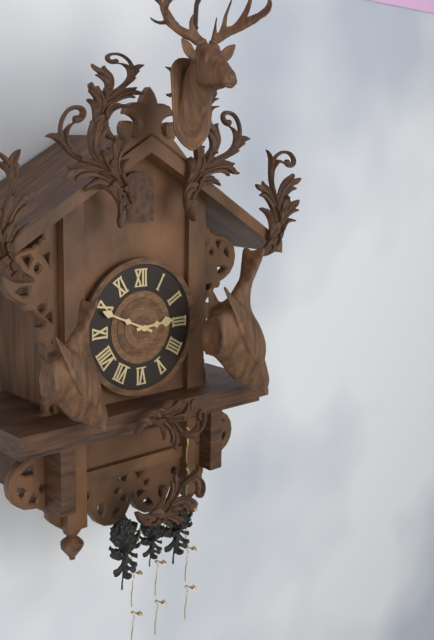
{"hour": 2, "minute": 49}
